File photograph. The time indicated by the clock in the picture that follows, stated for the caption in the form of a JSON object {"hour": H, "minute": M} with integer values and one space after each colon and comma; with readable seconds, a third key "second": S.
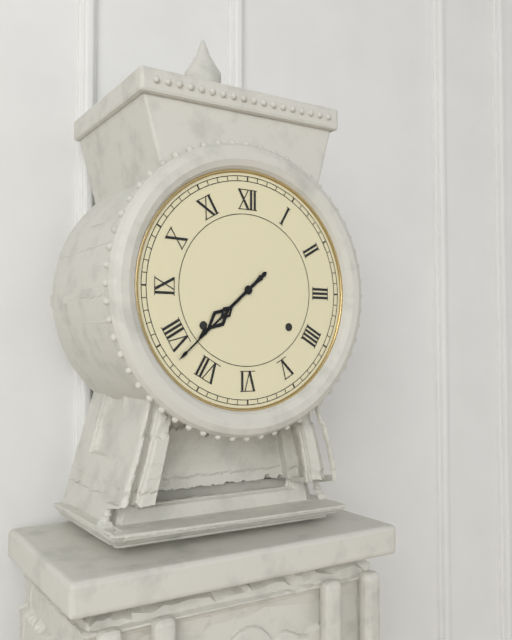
{"hour": 7, "minute": 38}
